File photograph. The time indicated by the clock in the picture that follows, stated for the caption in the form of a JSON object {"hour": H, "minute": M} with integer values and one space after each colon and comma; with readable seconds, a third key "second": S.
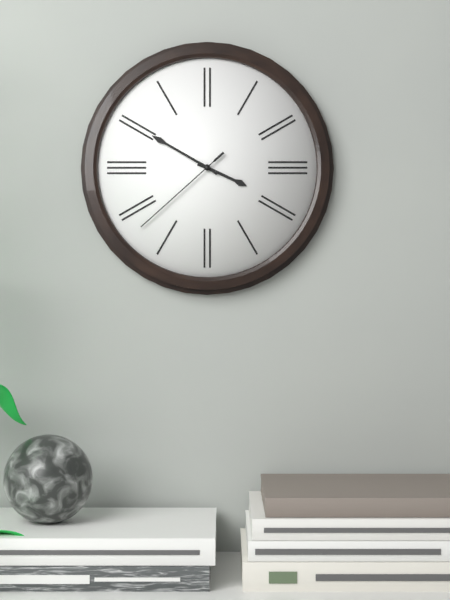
{"hour": 3, "minute": 50, "second": 38}
